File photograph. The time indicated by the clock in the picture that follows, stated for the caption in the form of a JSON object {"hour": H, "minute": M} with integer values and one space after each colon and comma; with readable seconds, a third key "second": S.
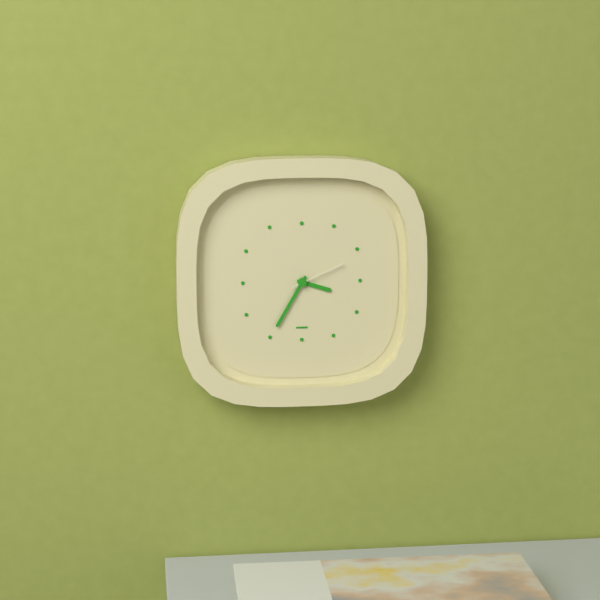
{"hour": 3, "minute": 35, "second": 11}
